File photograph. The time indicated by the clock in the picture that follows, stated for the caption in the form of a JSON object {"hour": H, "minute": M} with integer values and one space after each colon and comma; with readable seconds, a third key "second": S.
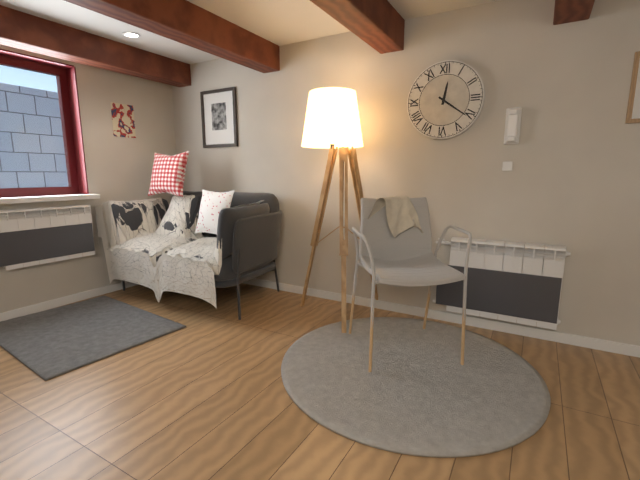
{"hour": 12, "minute": 21}
